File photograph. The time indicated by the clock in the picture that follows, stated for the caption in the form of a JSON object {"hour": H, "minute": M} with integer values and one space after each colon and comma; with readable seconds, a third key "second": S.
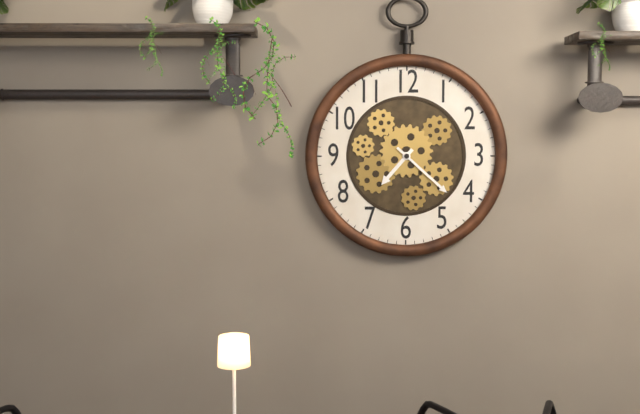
{"hour": 7, "minute": 22}
